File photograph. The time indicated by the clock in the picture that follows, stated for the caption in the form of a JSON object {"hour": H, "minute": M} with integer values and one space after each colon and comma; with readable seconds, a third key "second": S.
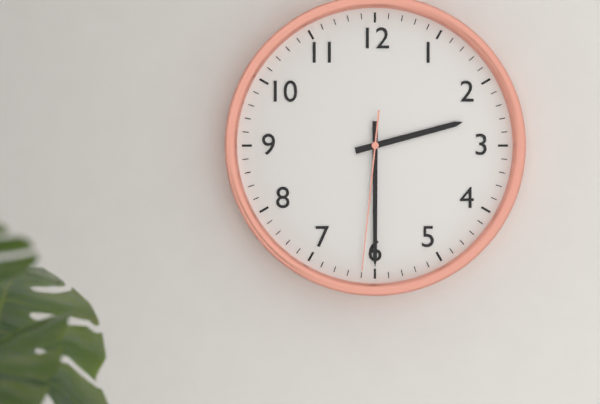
{"hour": 2, "minute": 30, "second": 31}
